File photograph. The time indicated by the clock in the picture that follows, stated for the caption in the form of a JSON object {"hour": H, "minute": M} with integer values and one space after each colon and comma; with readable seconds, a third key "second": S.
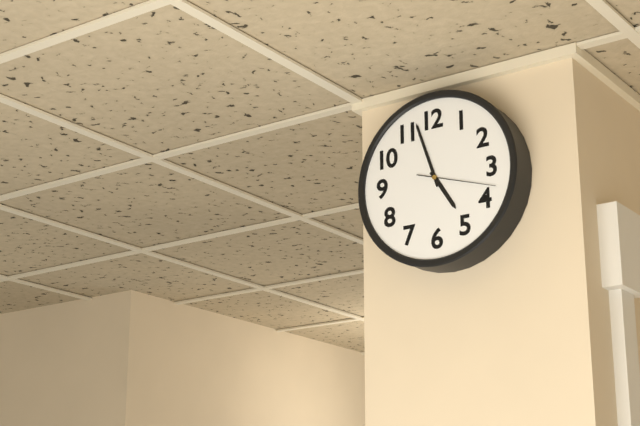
{"hour": 4, "minute": 57, "second": 18}
